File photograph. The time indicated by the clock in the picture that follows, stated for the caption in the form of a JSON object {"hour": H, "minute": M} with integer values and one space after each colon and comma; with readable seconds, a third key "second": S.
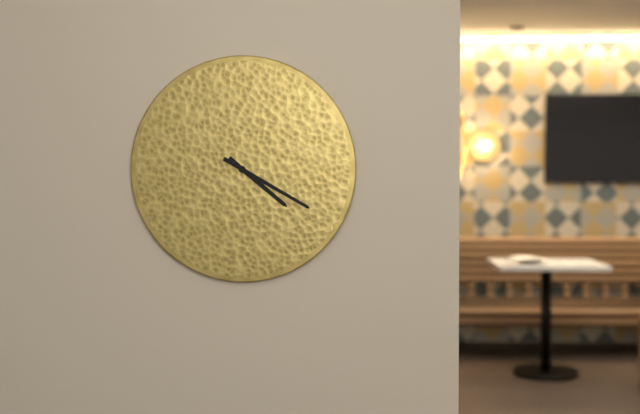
{"hour": 4, "minute": 20}
